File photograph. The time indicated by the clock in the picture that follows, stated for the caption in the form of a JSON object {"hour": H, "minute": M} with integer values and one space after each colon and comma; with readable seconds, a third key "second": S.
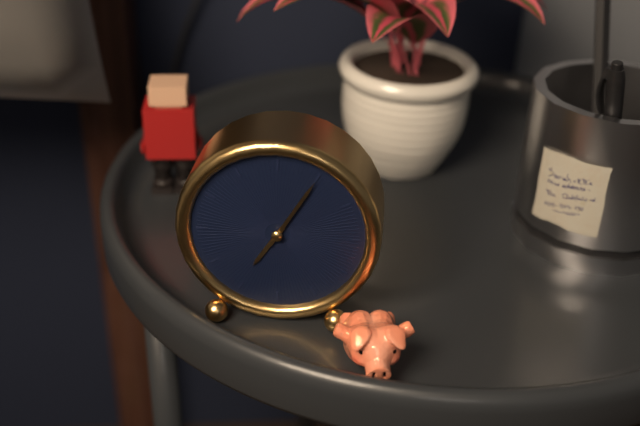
{"hour": 7, "minute": 5}
